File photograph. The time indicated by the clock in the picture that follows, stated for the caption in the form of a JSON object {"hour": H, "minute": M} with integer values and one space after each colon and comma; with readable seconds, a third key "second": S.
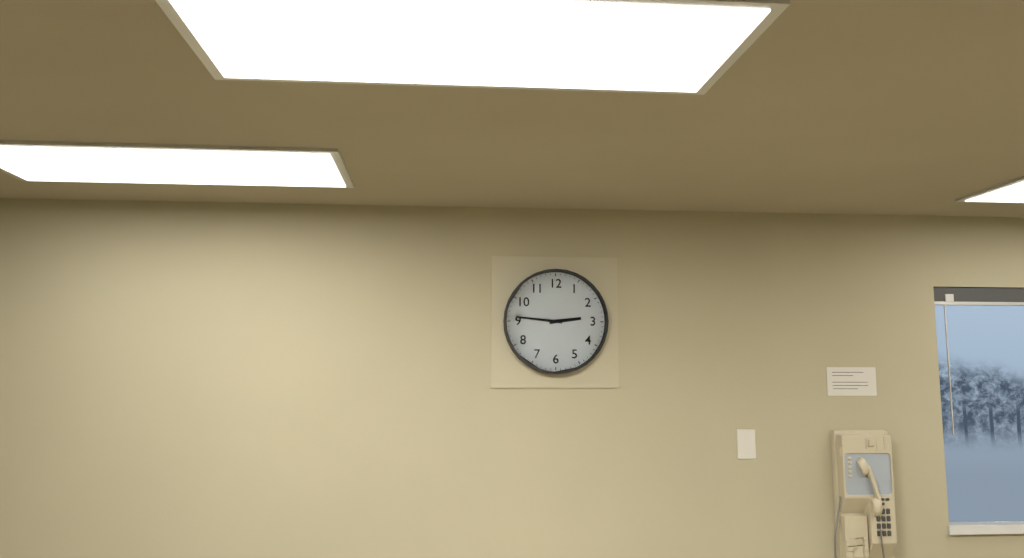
{"hour": 2, "minute": 46}
